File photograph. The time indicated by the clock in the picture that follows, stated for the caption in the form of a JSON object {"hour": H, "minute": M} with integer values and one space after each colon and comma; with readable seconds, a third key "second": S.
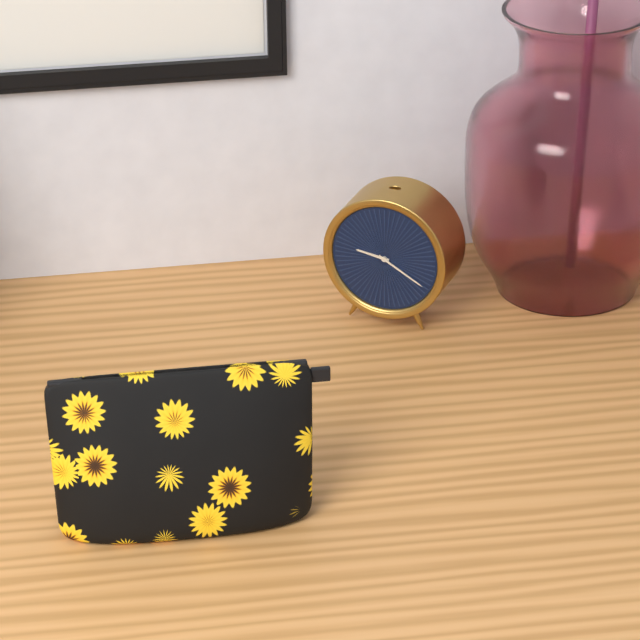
{"hour": 9, "minute": 20}
